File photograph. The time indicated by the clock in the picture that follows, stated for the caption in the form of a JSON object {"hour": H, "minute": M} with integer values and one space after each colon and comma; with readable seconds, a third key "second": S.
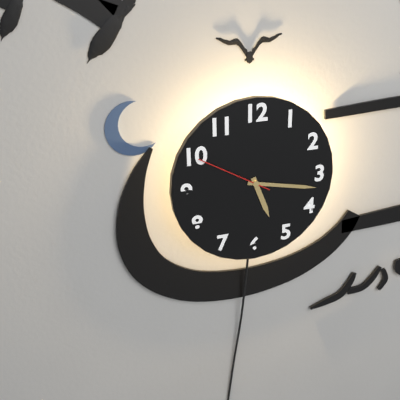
{"hour": 5, "minute": 17, "second": 50}
